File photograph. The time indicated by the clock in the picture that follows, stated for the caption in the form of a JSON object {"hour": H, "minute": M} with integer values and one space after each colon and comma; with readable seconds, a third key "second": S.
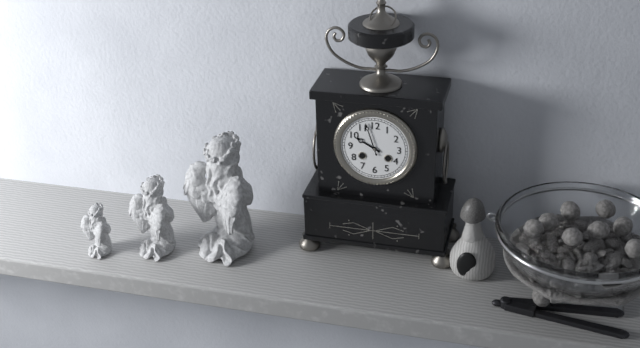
{"hour": 9, "minute": 57}
